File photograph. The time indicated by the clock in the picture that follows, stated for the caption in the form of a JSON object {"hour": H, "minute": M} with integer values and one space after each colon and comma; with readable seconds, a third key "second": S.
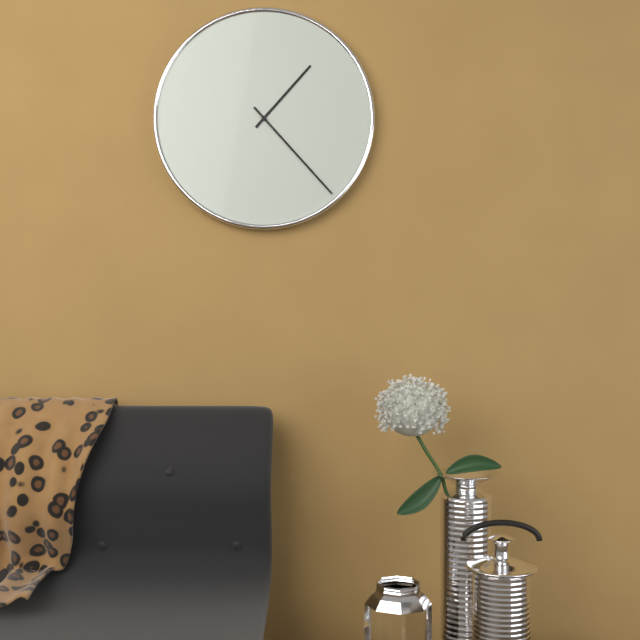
{"hour": 1, "minute": 23}
